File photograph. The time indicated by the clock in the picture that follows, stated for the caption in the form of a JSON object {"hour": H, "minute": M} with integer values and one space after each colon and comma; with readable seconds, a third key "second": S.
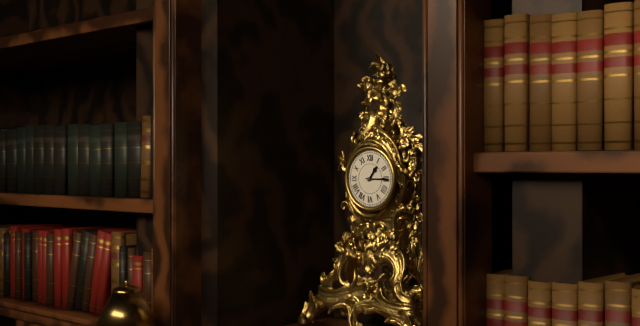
{"hour": 1, "minute": 15}
